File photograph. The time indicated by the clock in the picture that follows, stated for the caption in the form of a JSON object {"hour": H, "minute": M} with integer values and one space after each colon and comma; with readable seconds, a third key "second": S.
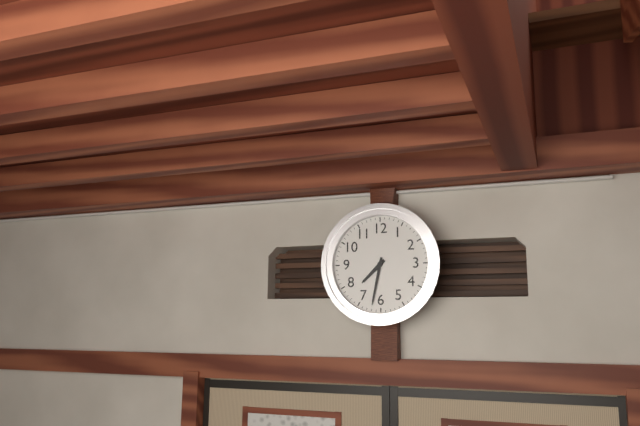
{"hour": 7, "minute": 32}
